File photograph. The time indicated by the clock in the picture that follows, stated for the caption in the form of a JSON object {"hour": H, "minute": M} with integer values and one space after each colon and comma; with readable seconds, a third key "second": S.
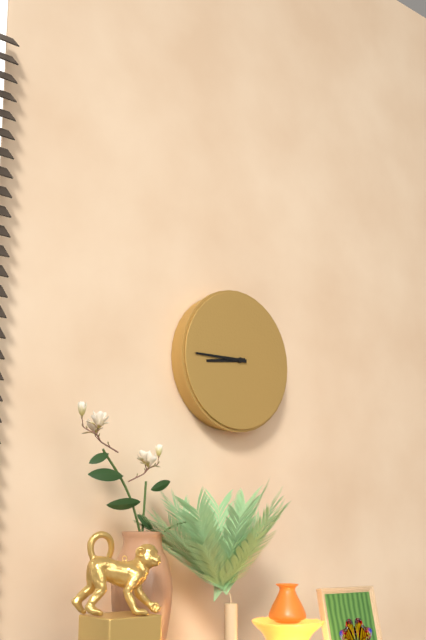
{"hour": 8, "minute": 45}
